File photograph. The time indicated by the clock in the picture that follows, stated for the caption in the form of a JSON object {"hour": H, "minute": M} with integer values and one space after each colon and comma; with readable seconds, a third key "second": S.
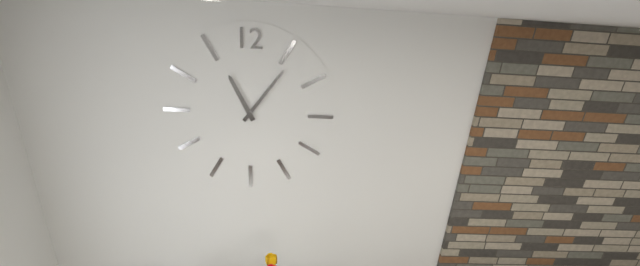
{"hour": 11, "minute": 6}
